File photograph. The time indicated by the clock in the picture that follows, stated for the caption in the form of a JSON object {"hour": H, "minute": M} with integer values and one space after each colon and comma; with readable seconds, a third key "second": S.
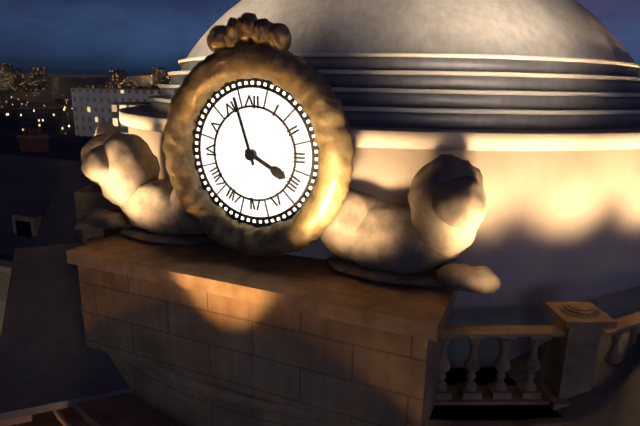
{"hour": 3, "minute": 57}
